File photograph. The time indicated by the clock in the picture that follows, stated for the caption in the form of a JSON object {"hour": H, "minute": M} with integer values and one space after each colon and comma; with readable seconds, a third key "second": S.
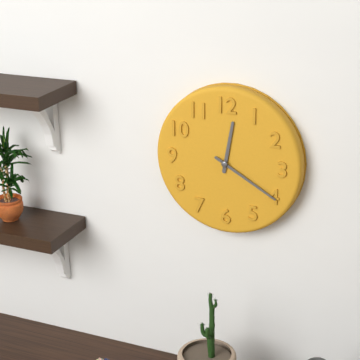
{"hour": 12, "minute": 20}
